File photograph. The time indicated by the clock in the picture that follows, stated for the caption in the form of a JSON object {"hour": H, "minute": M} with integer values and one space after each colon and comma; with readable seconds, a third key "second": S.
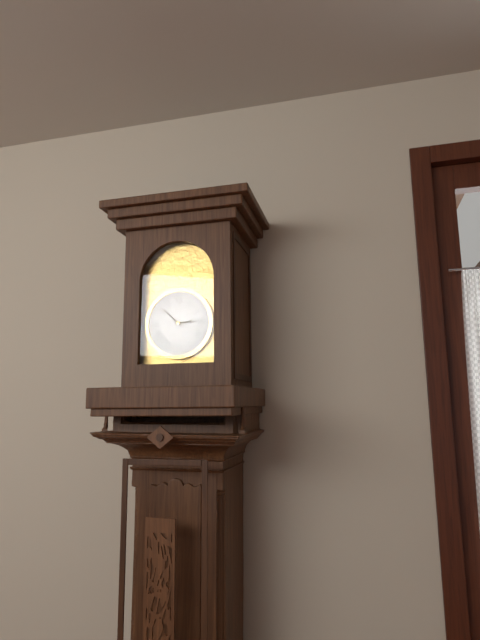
{"hour": 2, "minute": 52}
